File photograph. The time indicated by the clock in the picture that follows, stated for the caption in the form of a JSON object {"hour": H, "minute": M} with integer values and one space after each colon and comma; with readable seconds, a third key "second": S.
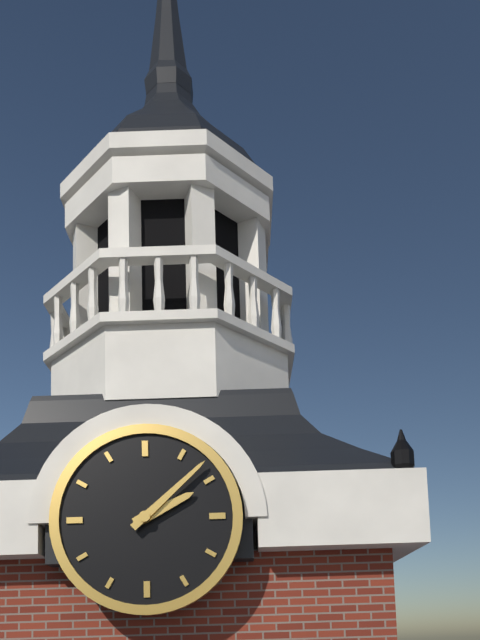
{"hour": 2, "minute": 8}
